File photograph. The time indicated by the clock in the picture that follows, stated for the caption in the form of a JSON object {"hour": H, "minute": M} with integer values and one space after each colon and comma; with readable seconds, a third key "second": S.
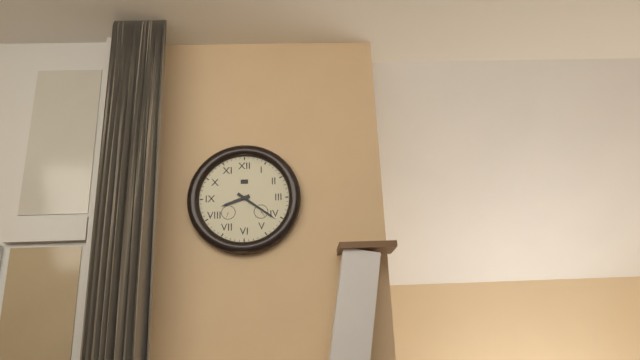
{"hour": 8, "minute": 21}
